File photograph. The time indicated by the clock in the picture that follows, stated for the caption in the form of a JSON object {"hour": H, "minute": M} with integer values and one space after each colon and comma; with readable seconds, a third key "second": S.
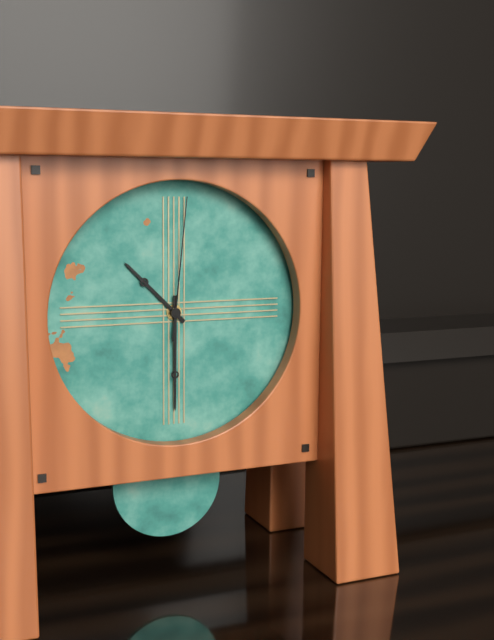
{"hour": 10, "minute": 30, "second": 1}
